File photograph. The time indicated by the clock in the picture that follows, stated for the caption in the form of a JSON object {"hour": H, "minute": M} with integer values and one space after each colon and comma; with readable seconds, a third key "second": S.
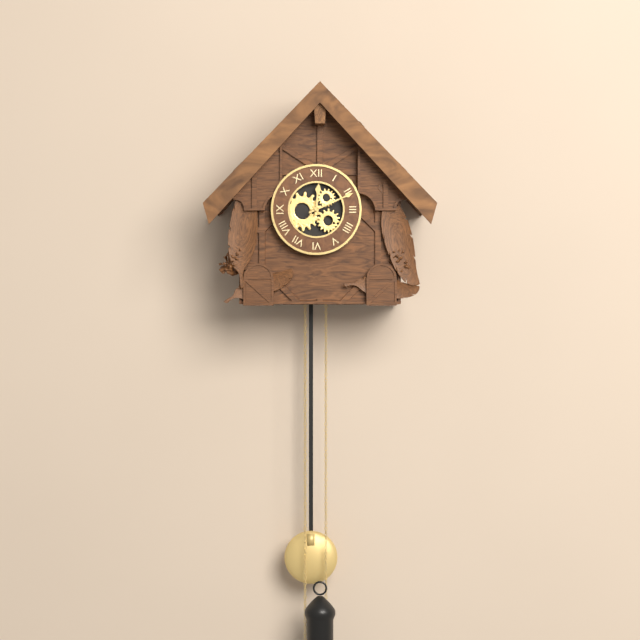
{"hour": 12, "minute": 11}
